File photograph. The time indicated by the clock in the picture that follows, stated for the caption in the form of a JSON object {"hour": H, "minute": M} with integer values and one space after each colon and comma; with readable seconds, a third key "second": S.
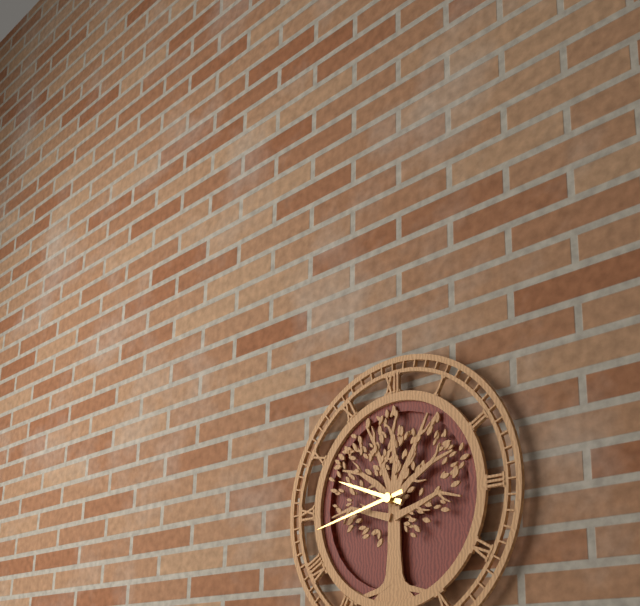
{"hour": 9, "minute": 43}
